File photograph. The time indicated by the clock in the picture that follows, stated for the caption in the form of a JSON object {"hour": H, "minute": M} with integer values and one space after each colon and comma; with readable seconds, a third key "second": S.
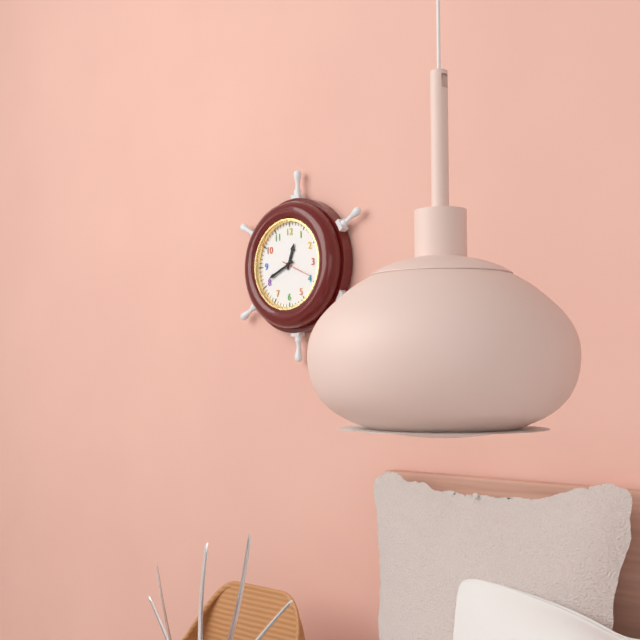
{"hour": 12, "minute": 41}
